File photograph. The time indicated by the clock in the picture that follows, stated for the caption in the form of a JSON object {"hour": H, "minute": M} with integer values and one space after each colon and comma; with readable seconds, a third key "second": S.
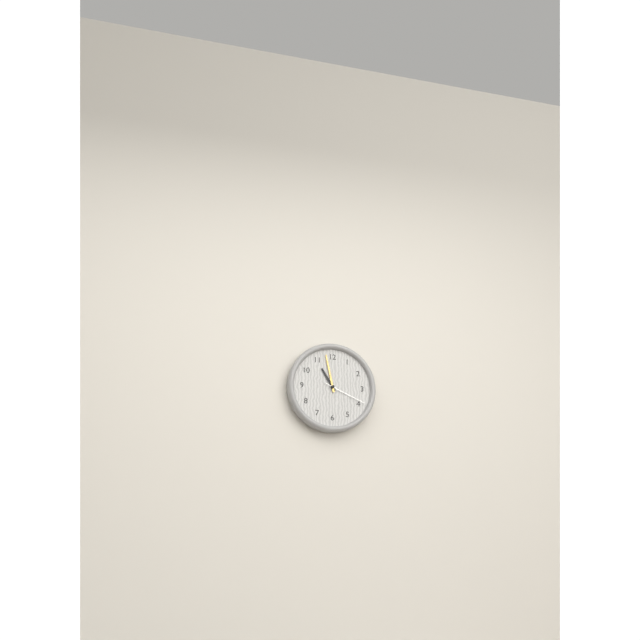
{"hour": 10, "minute": 58}
